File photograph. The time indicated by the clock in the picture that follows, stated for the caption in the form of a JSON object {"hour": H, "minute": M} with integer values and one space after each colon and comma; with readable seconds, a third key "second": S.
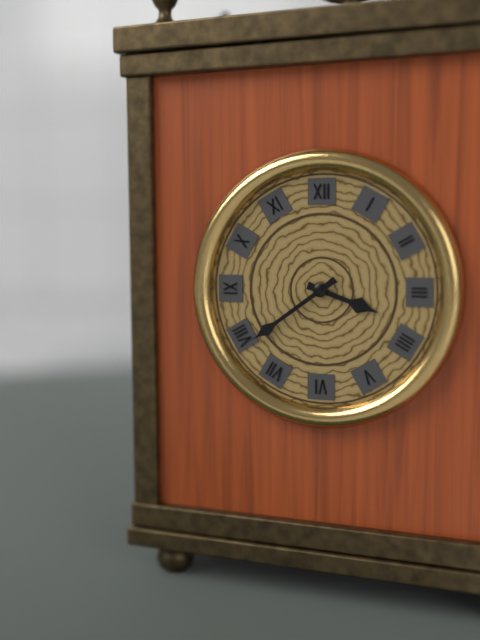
{"hour": 3, "minute": 39}
